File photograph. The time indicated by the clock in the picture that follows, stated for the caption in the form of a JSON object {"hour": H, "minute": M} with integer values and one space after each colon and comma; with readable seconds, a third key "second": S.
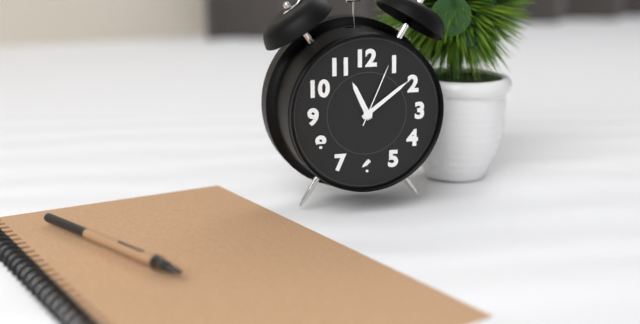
{"hour": 11, "minute": 9, "second": 4}
